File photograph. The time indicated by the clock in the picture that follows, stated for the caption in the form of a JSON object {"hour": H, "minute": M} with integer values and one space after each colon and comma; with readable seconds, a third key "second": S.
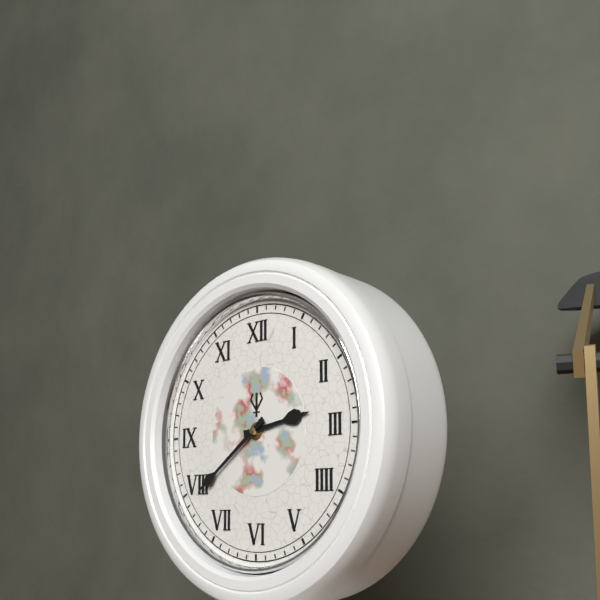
{"hour": 2, "minute": 39}
